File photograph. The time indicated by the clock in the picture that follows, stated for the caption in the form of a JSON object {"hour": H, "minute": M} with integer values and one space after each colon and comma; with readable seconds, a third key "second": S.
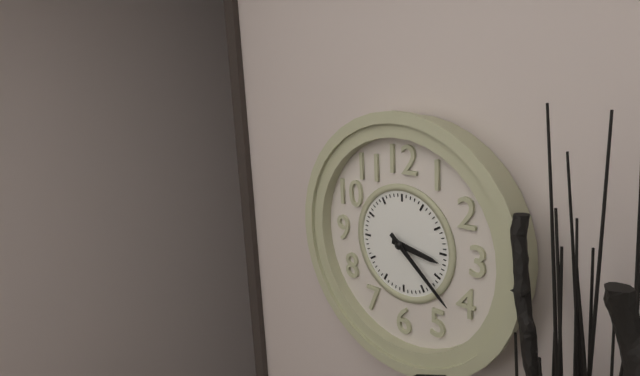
{"hour": 3, "minute": 22}
